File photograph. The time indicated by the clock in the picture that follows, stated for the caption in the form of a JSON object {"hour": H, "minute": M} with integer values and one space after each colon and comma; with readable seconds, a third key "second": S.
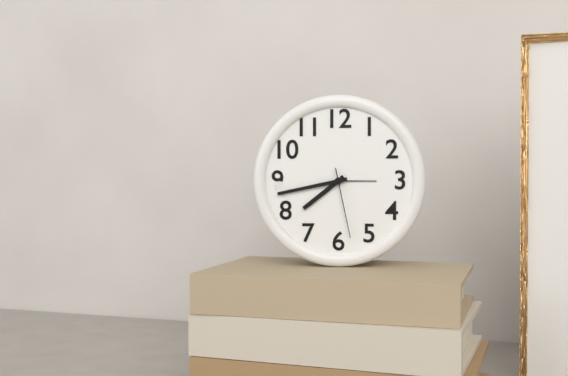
{"hour": 7, "minute": 43, "second": 28}
